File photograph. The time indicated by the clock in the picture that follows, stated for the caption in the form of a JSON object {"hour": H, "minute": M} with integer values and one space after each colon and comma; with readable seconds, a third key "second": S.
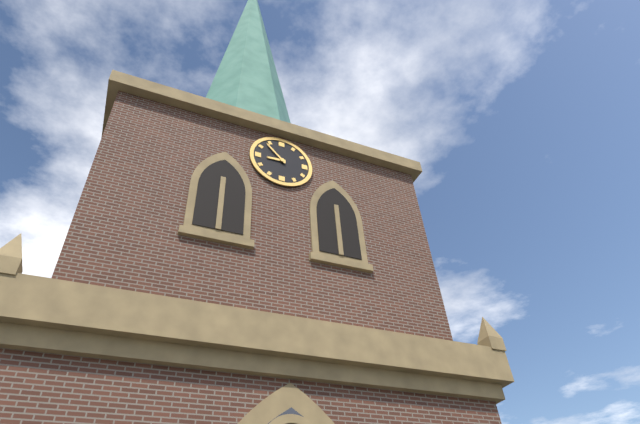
{"hour": 8, "minute": 53}
